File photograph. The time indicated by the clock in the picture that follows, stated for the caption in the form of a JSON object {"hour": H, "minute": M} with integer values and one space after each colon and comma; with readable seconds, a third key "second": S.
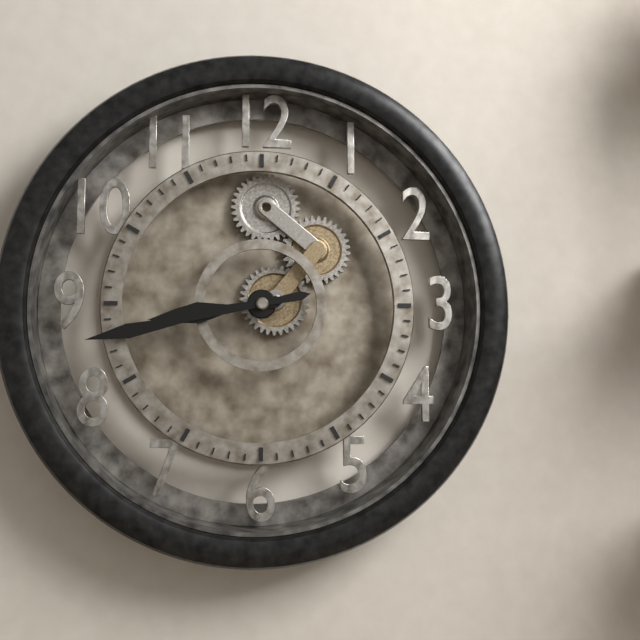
{"hour": 8, "minute": 43}
